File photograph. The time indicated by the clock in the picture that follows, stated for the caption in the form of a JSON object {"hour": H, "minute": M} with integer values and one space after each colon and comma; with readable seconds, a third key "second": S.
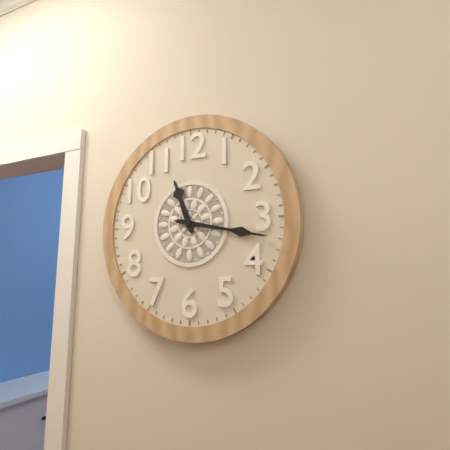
{"hour": 11, "minute": 17}
